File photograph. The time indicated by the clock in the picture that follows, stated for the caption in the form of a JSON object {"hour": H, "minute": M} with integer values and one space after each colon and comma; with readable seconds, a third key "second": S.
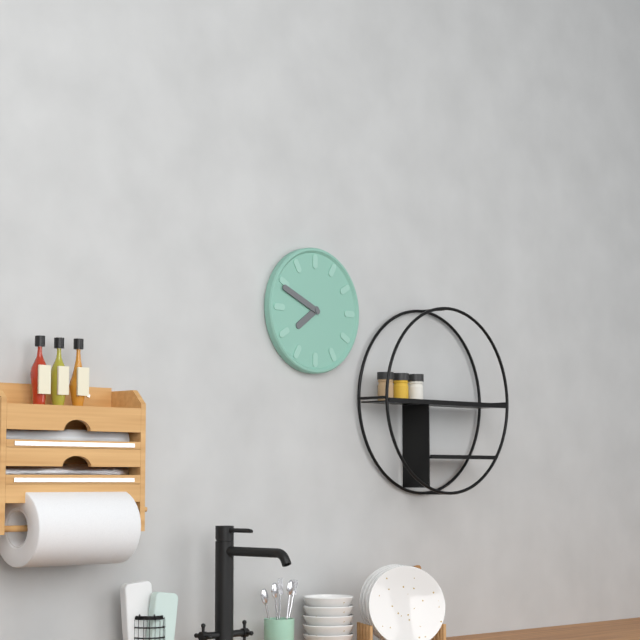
{"hour": 7, "minute": 49}
